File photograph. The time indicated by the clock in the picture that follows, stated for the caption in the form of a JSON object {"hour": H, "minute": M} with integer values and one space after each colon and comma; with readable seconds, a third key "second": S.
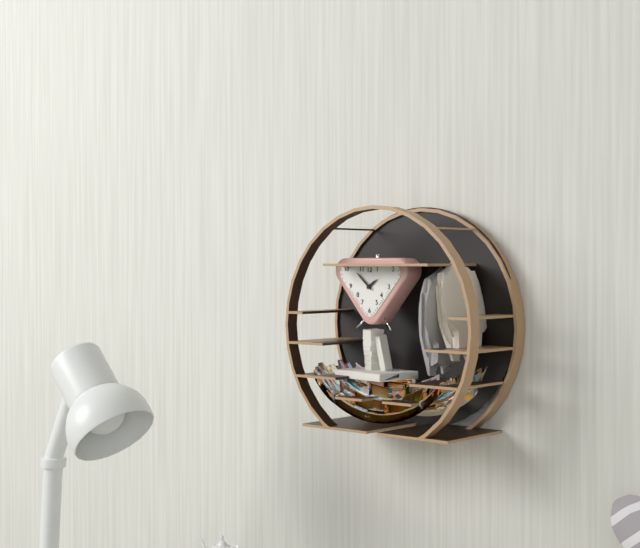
{"hour": 1, "minute": 52}
